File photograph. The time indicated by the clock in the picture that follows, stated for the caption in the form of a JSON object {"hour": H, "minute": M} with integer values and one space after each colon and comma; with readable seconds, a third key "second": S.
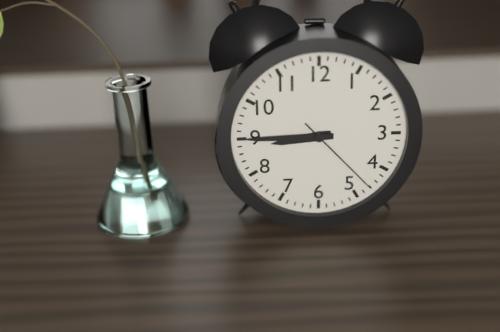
{"hour": 8, "minute": 45, "second": 23}
